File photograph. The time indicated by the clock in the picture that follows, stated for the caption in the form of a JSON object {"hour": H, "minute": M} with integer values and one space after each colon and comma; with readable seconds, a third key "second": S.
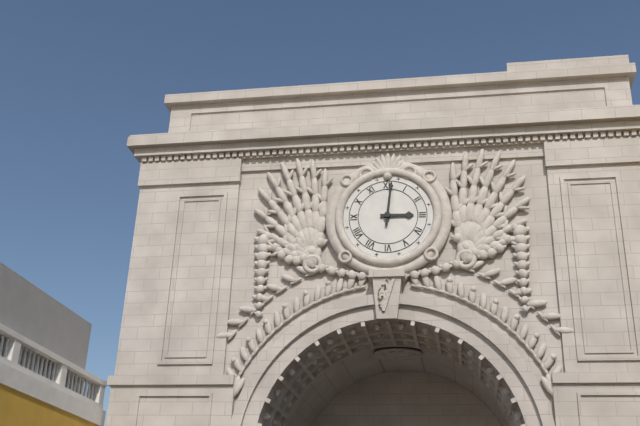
{"hour": 3, "minute": 1}
